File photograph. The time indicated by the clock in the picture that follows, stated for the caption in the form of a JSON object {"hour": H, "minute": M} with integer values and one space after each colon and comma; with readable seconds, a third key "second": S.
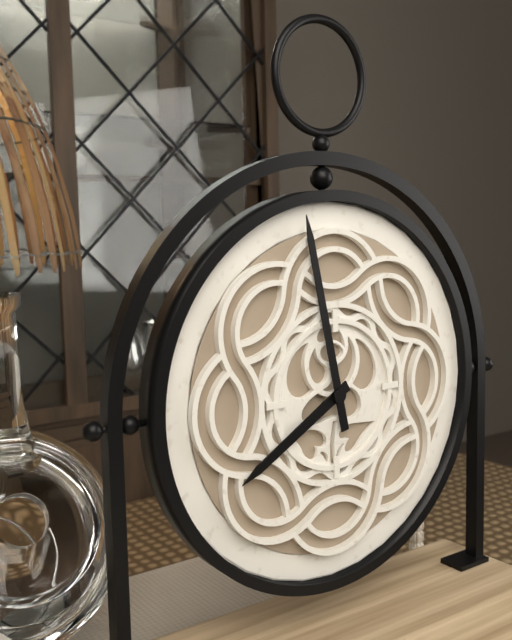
{"hour": 7, "minute": 58}
